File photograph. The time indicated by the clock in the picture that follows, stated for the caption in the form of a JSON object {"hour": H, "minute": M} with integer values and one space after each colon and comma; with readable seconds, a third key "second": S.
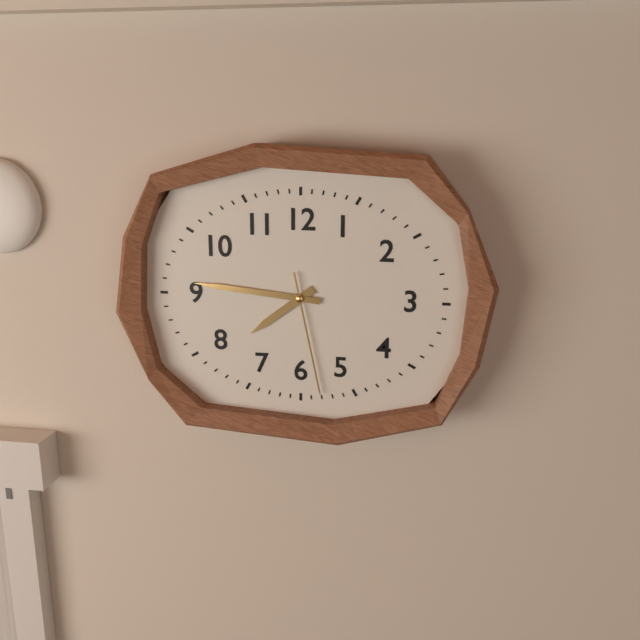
{"hour": 7, "minute": 46, "second": 28}
